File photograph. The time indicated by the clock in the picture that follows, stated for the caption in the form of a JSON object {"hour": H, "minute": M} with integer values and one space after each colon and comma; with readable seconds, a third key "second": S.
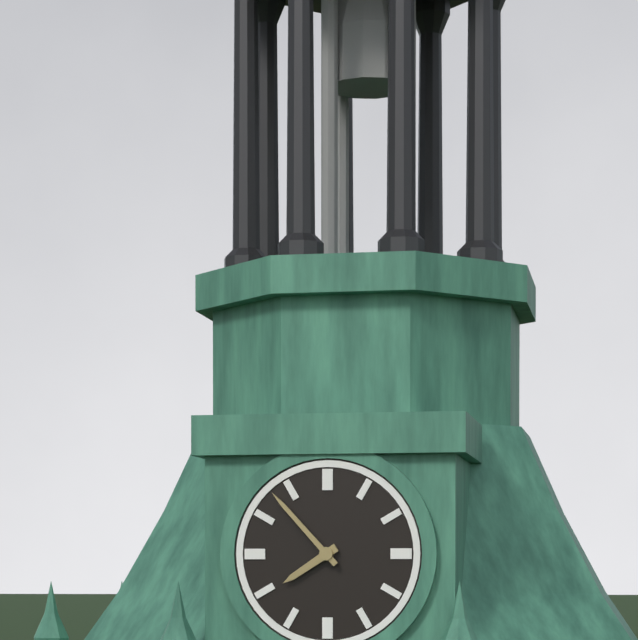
{"hour": 7, "minute": 53}
